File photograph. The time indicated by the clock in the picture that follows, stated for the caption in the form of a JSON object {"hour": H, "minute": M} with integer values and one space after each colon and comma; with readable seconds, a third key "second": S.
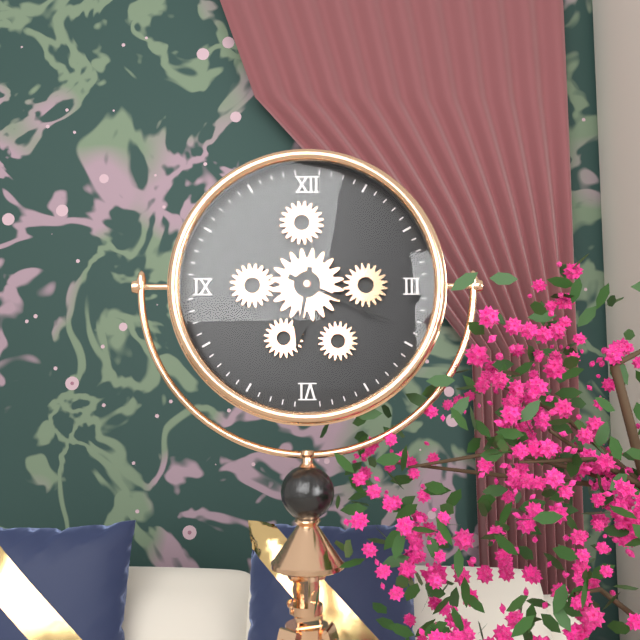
{"hour": 6, "minute": 19}
